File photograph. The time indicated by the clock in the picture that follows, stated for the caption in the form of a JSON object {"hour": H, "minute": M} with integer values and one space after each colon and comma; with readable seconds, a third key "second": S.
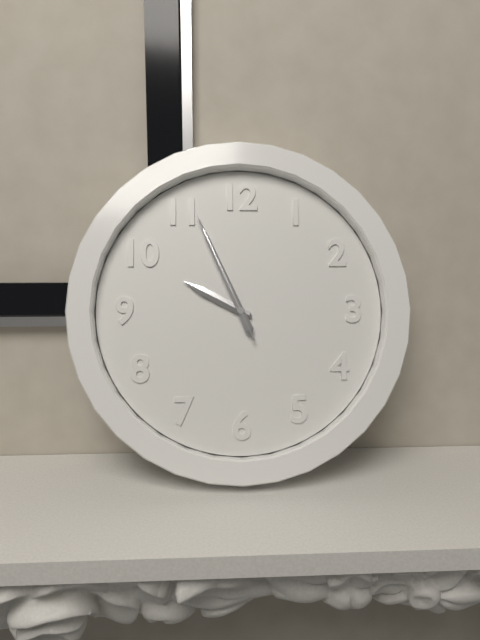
{"hour": 9, "minute": 56, "second": 56}
